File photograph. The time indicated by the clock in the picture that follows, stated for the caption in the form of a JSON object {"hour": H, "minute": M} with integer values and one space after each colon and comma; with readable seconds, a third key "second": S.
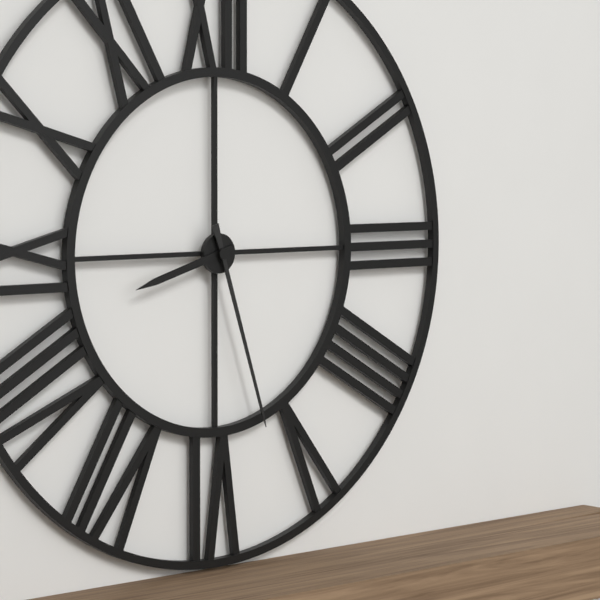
{"hour": 8, "minute": 27}
